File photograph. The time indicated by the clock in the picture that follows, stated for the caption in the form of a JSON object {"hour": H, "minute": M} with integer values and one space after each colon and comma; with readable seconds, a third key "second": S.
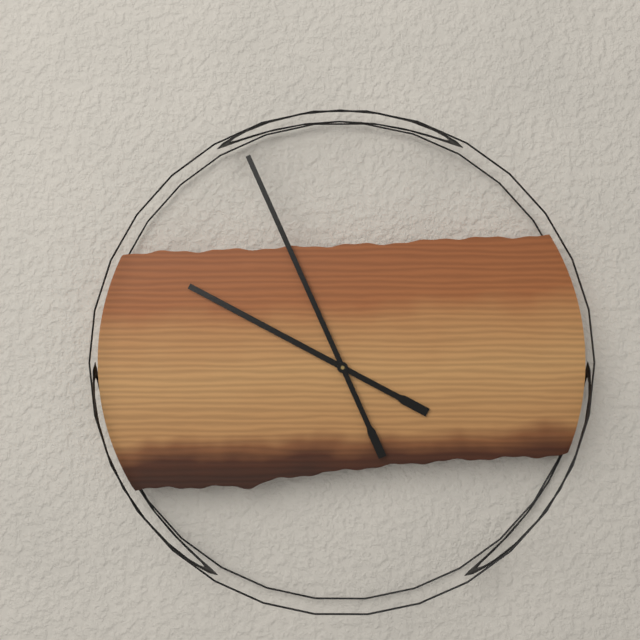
{"hour": 9, "minute": 56}
